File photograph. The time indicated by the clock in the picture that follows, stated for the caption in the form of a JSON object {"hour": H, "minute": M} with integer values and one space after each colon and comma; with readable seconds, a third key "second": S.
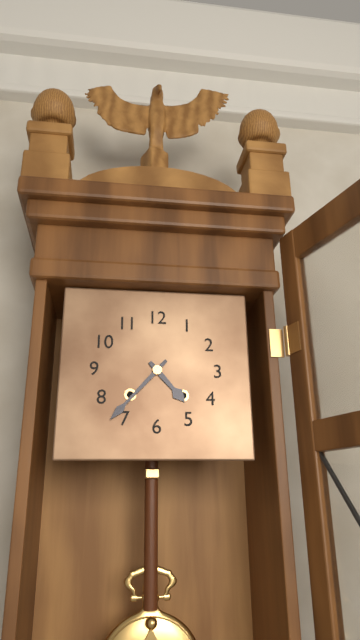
{"hour": 4, "minute": 37}
